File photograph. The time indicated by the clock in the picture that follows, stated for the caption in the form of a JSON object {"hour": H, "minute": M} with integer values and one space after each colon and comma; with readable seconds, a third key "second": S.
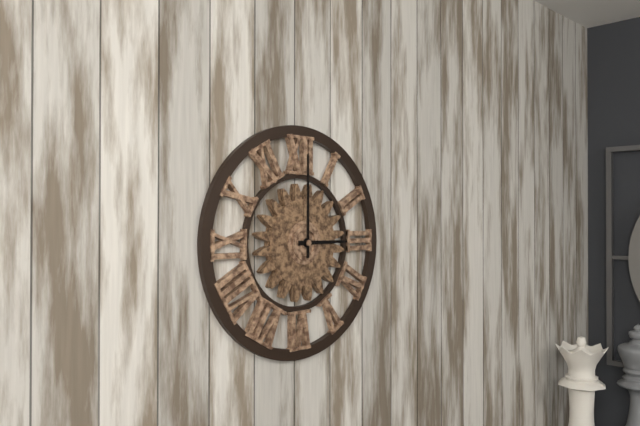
{"hour": 3, "minute": 0}
